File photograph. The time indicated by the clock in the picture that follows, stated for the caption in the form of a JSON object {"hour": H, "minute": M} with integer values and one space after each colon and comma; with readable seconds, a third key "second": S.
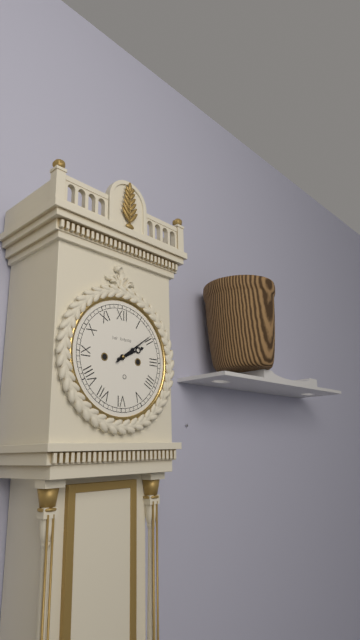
{"hour": 2, "minute": 9}
